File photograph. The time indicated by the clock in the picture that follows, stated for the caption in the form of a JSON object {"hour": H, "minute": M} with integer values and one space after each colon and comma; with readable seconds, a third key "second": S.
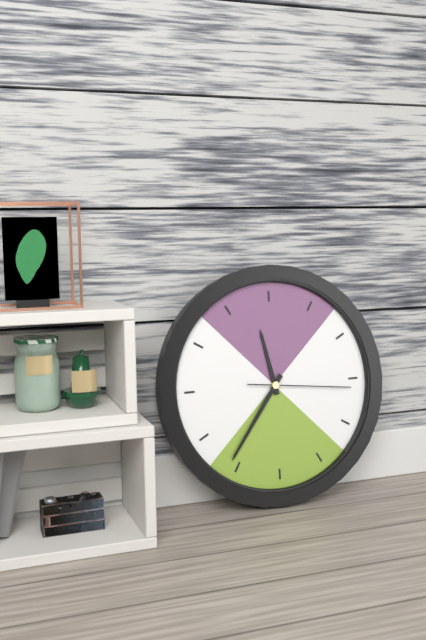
{"hour": 11, "minute": 36, "second": 16}
